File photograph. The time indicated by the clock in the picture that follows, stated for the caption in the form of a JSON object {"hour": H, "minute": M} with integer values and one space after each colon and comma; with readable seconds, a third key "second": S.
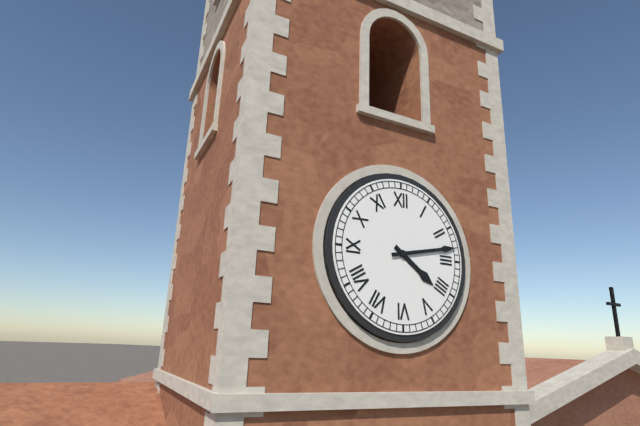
{"hour": 4, "minute": 13}
